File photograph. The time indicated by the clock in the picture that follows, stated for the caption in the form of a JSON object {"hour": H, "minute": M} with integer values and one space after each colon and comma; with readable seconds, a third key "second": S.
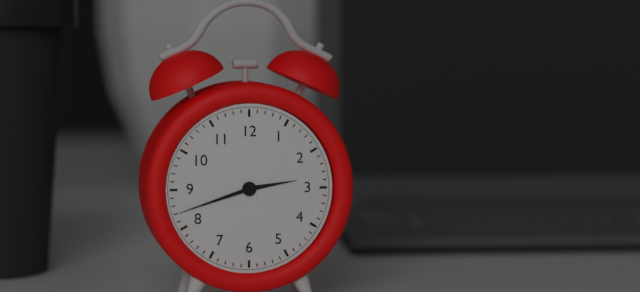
{"hour": 2, "minute": 42}
